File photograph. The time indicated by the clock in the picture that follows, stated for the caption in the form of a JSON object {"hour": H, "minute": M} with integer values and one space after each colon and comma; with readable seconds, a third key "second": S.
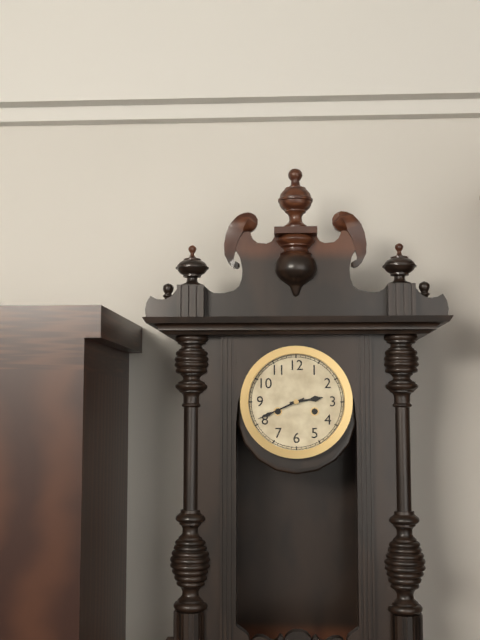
{"hour": 2, "minute": 41}
